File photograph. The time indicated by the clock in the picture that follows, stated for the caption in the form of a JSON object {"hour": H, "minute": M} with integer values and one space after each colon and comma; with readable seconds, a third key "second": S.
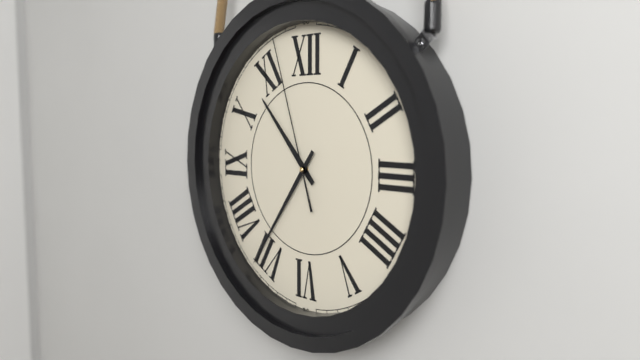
{"hour": 10, "minute": 36, "second": 57}
